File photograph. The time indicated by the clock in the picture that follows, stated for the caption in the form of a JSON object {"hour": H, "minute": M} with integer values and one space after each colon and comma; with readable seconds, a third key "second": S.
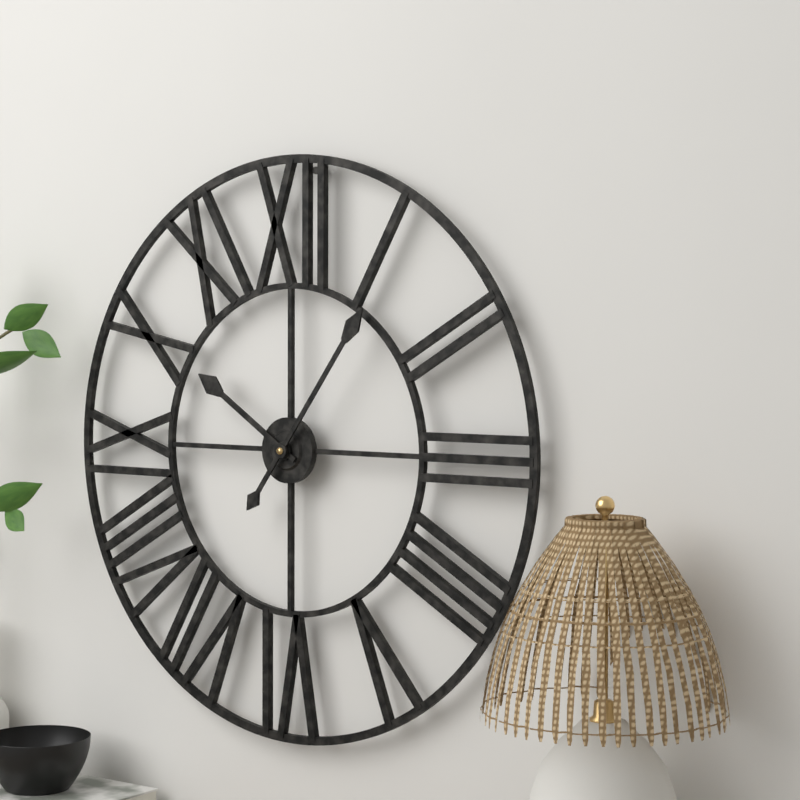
{"hour": 10, "minute": 6}
